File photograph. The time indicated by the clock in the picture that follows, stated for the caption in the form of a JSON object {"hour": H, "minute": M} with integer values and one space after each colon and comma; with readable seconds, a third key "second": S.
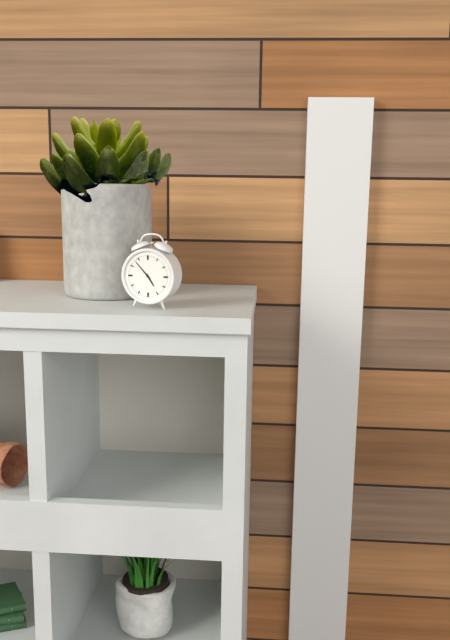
{"hour": 4, "minute": 53}
